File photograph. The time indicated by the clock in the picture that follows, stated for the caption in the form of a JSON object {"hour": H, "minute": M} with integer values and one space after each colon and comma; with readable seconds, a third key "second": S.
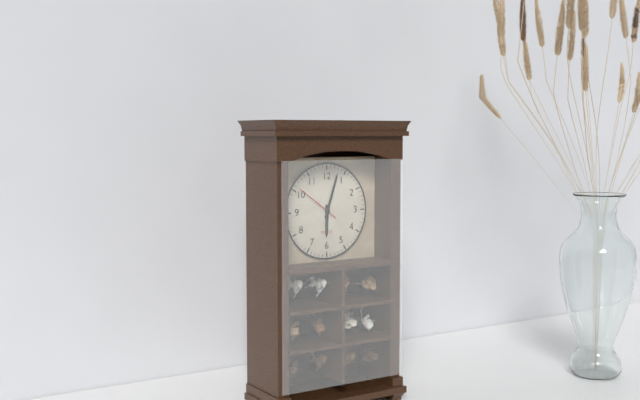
{"hour": 6, "minute": 3}
